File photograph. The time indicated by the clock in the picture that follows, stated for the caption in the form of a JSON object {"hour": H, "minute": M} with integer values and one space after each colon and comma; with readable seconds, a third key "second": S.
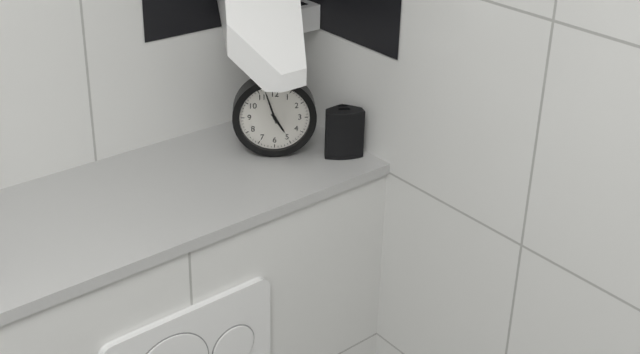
{"hour": 4, "minute": 57}
